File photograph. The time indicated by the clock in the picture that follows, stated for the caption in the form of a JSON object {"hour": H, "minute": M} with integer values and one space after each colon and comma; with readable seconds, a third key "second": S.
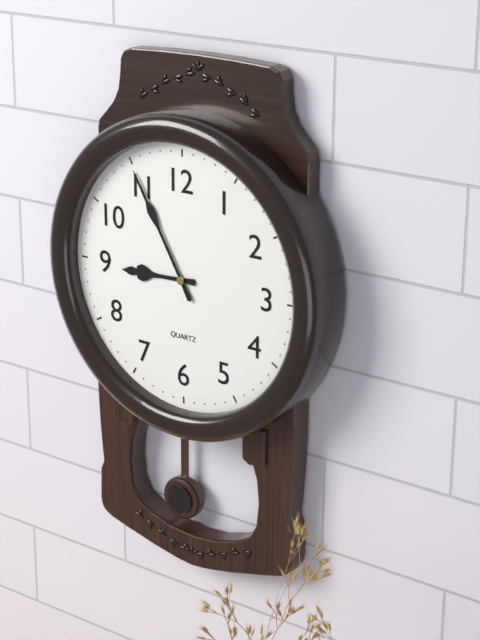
{"hour": 8, "minute": 55}
